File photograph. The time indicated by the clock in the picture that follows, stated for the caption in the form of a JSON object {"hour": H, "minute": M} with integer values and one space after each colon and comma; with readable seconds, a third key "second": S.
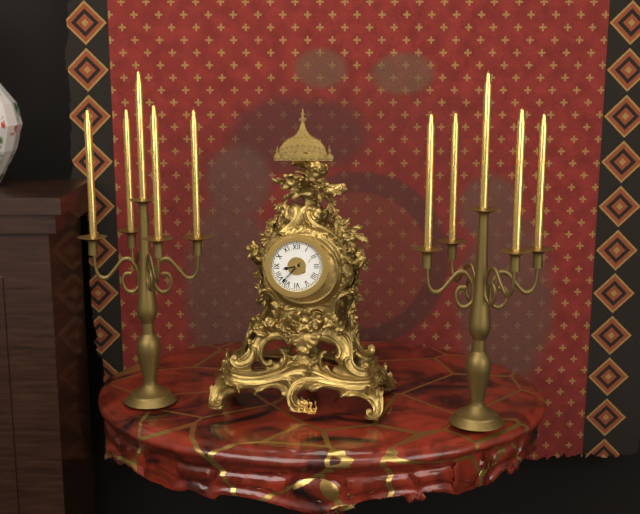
{"hour": 8, "minute": 37}
